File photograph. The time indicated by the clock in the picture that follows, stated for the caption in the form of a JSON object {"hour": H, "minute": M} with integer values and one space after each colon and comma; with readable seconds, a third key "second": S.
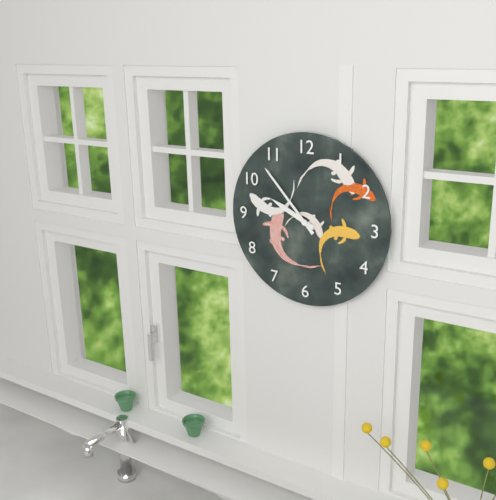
{"hour": 9, "minute": 53}
